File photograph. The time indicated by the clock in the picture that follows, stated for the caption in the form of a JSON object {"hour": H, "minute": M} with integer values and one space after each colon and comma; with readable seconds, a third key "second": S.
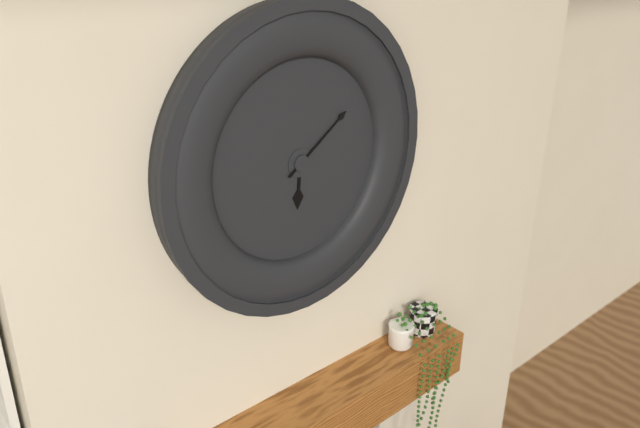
{"hour": 6, "minute": 9}
